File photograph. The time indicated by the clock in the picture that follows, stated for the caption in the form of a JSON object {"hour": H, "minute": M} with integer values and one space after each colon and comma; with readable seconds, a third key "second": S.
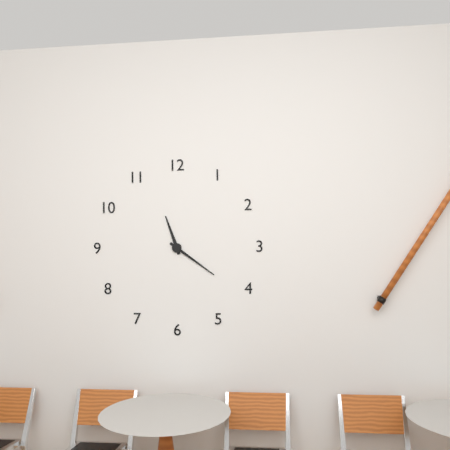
{"hour": 11, "minute": 21}
